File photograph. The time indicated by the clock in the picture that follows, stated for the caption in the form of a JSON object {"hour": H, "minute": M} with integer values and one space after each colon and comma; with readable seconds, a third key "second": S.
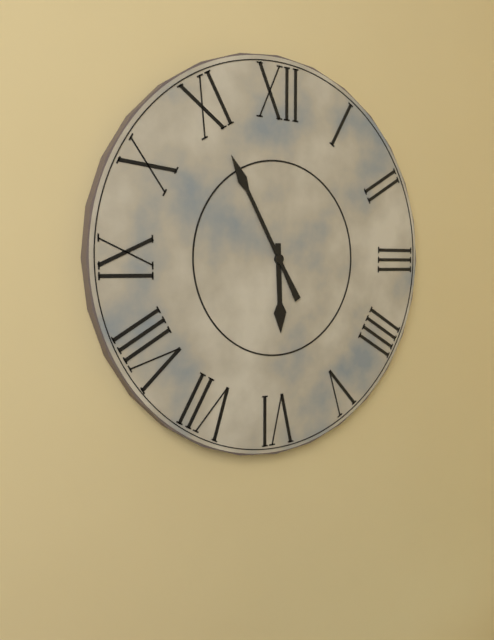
{"hour": 5, "minute": 55}
